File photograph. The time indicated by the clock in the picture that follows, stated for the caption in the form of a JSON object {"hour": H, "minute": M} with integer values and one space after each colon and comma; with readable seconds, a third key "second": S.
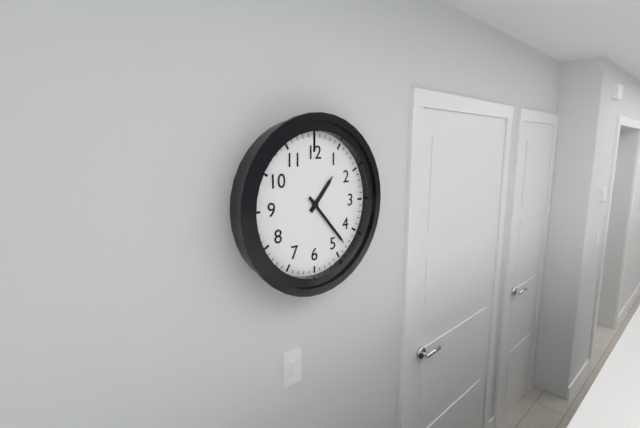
{"hour": 1, "minute": 23}
